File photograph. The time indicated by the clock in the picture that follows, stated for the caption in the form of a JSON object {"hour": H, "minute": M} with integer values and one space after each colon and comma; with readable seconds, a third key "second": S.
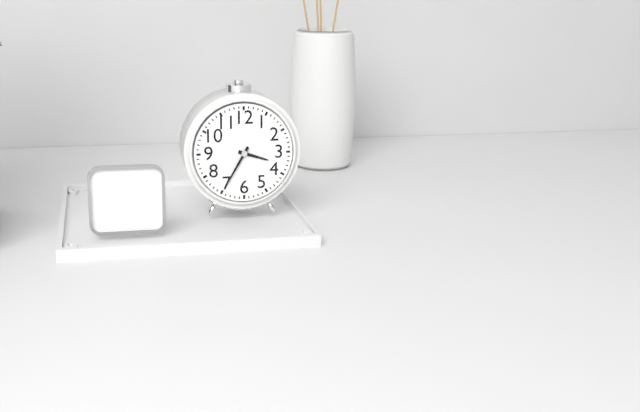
{"hour": 3, "minute": 35}
